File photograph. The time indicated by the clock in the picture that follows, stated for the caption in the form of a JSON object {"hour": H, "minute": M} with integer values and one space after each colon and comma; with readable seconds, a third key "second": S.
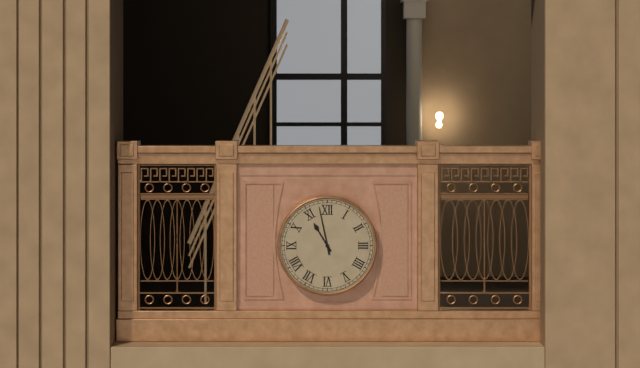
{"hour": 10, "minute": 58}
